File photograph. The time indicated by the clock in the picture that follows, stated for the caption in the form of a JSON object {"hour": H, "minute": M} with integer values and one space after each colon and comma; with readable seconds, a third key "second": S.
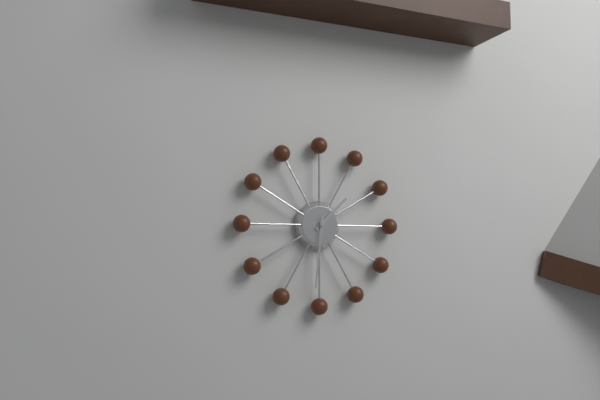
{"hour": 1, "minute": 31}
